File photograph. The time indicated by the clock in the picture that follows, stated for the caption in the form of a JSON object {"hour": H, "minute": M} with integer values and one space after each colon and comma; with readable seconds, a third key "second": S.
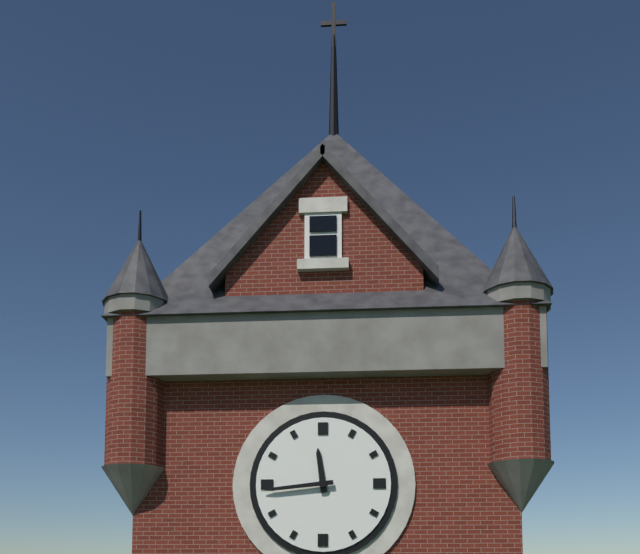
{"hour": 11, "minute": 44}
